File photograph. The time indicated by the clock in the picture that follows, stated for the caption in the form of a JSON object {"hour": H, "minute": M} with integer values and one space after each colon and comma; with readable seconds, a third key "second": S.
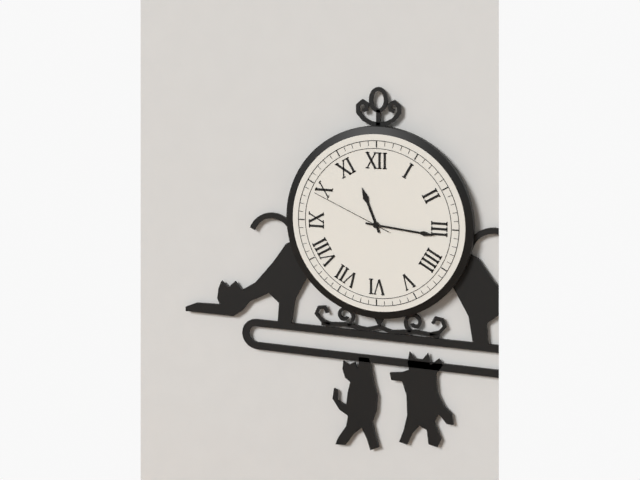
{"hour": 11, "minute": 16, "second": 49}
